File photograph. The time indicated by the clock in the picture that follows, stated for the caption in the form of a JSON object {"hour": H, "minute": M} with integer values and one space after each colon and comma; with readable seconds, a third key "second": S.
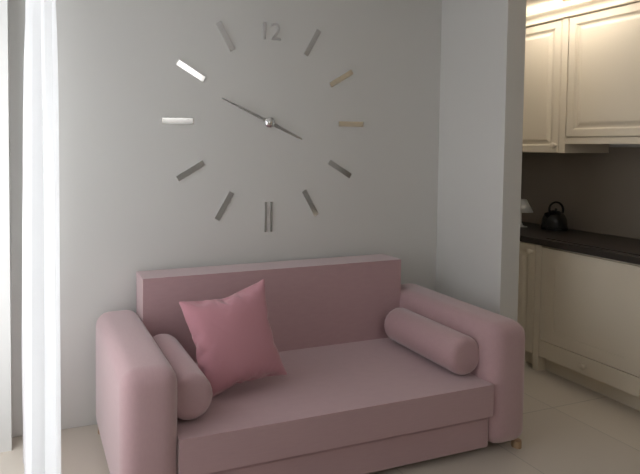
{"hour": 3, "minute": 49}
